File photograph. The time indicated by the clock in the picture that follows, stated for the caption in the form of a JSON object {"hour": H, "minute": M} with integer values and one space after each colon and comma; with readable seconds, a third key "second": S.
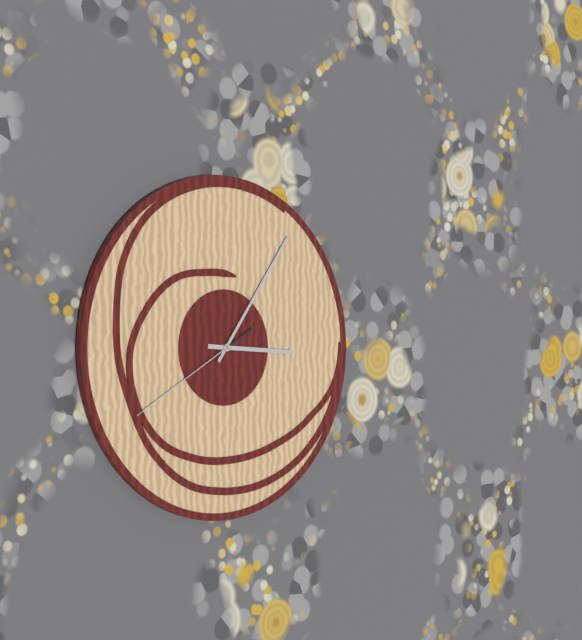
{"hour": 3, "minute": 6, "second": 40}
